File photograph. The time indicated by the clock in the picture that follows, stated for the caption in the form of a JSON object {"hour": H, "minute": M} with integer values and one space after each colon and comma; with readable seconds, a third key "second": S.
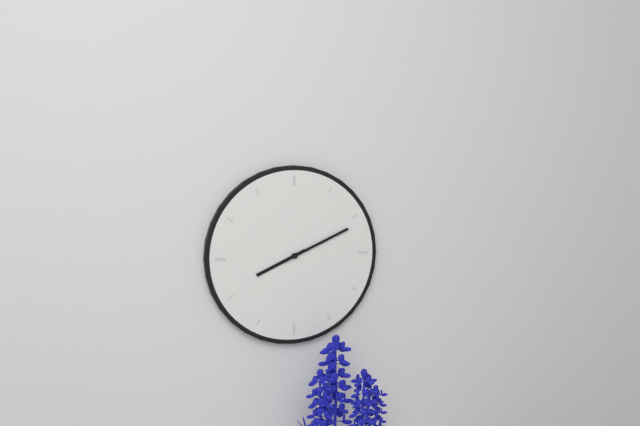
{"hour": 8, "minute": 11}
